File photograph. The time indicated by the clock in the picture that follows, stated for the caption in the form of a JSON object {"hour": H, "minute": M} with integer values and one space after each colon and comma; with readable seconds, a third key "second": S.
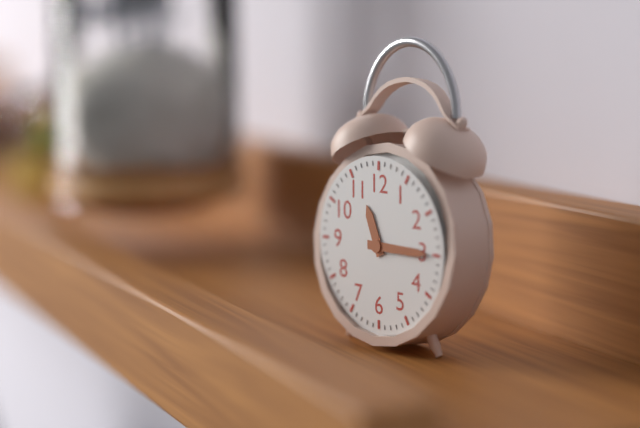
{"hour": 11, "minute": 15}
